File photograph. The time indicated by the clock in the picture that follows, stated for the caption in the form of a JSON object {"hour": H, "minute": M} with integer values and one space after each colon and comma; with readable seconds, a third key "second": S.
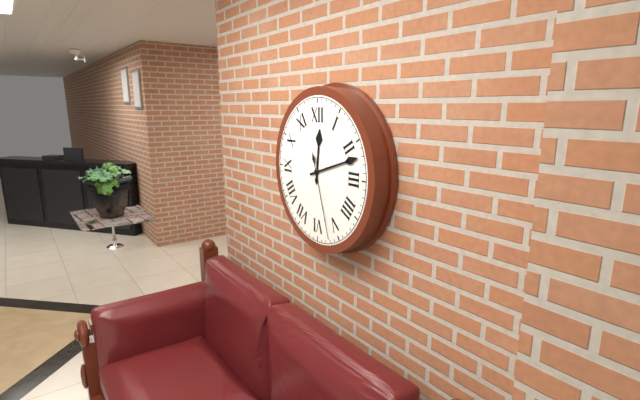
{"hour": 12, "minute": 12, "second": 27}
